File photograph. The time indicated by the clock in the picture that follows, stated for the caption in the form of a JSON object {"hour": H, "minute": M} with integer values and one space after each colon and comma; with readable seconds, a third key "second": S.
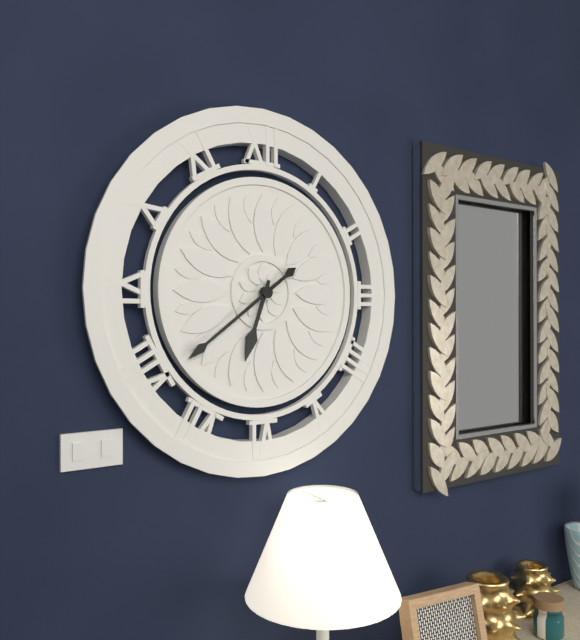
{"hour": 6, "minute": 39}
